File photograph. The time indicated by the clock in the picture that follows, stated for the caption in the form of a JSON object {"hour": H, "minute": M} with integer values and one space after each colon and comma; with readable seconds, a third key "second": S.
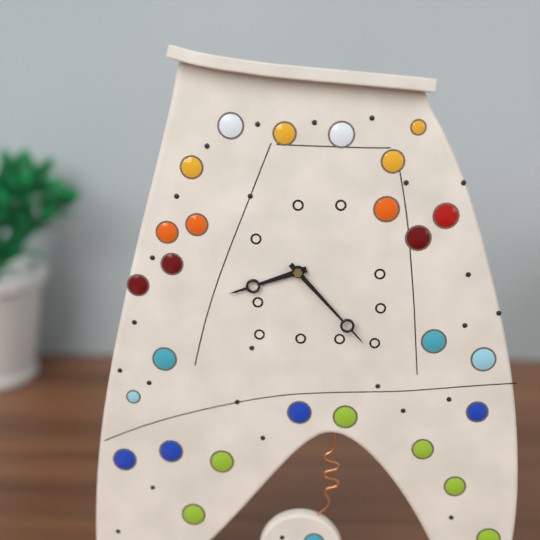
{"hour": 8, "minute": 23}
